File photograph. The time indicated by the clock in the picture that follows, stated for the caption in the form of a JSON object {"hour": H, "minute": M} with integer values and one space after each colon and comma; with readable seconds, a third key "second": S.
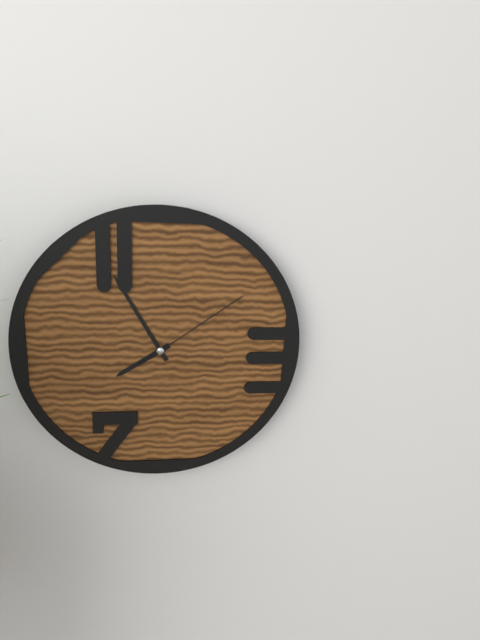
{"hour": 7, "minute": 55, "second": 9}
